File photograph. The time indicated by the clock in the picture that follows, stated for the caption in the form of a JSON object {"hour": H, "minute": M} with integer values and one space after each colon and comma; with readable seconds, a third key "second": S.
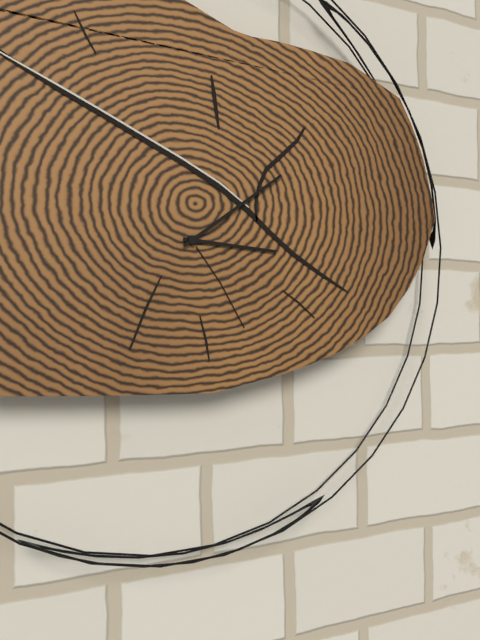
{"hour": 3, "minute": 9}
